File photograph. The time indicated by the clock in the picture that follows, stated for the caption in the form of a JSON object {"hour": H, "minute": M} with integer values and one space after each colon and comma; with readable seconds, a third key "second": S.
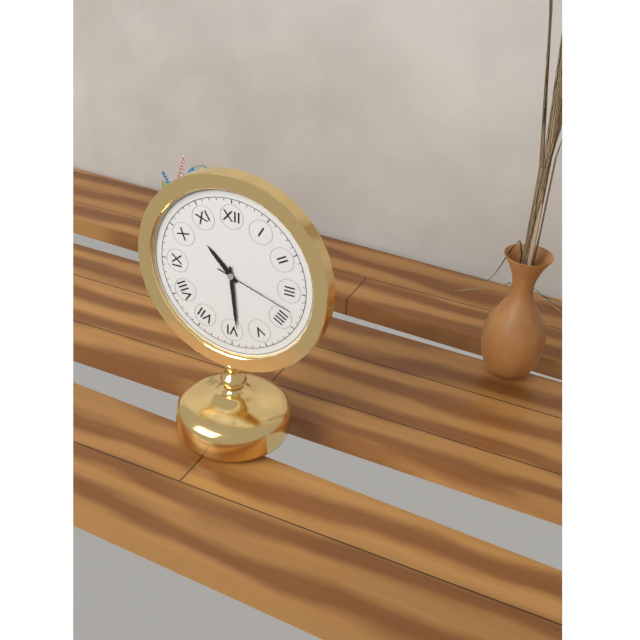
{"hour": 10, "minute": 29, "second": 18}
